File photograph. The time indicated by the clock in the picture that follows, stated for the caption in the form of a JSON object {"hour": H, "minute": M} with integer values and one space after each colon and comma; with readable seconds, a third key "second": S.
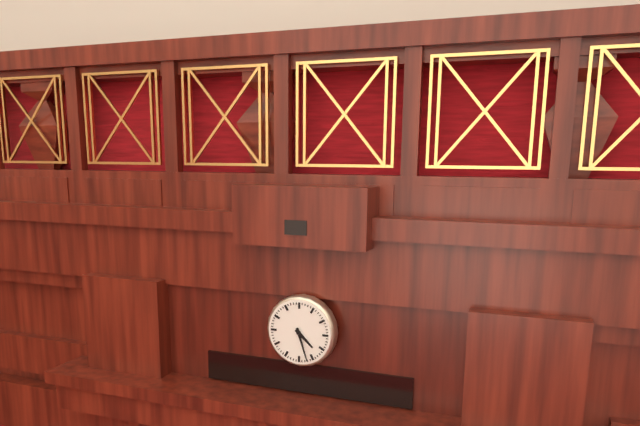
{"hour": 4, "minute": 27}
